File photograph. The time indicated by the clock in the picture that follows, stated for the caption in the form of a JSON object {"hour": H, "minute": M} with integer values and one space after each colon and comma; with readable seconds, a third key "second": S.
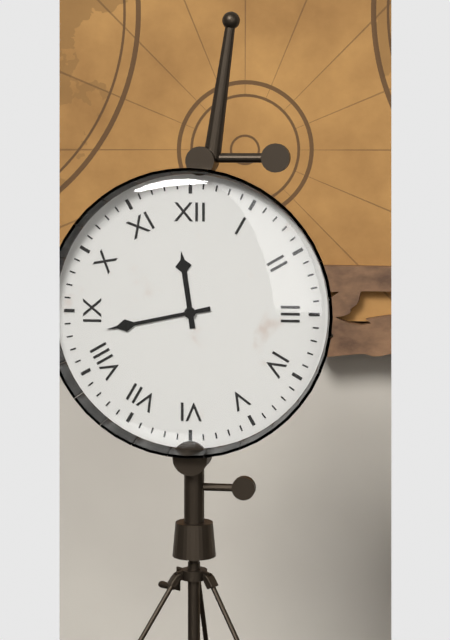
{"hour": 11, "minute": 43}
